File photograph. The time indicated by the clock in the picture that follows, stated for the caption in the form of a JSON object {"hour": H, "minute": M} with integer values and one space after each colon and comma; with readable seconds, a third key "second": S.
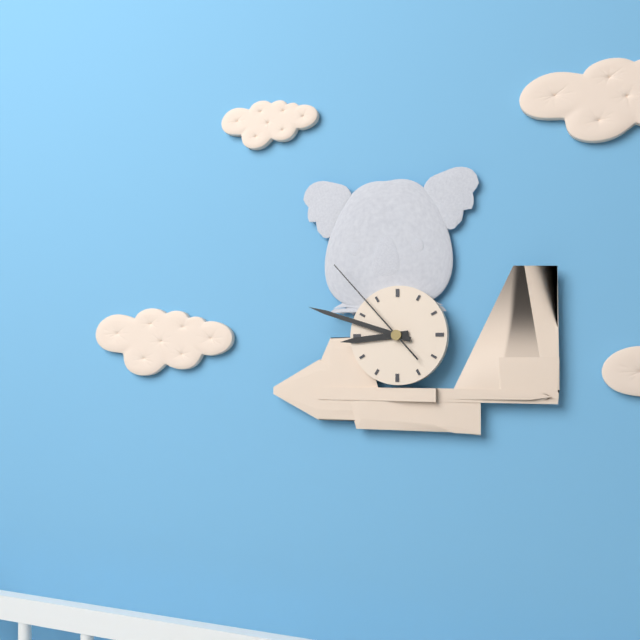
{"hour": 8, "minute": 48, "second": 53}
